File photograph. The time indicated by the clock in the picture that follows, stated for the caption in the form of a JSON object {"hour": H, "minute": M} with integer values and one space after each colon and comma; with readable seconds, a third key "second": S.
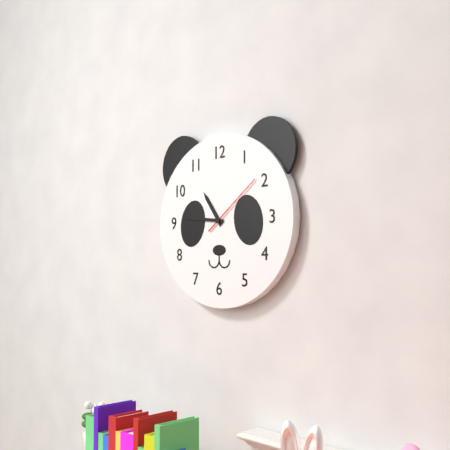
{"hour": 10, "minute": 46, "second": 9}
